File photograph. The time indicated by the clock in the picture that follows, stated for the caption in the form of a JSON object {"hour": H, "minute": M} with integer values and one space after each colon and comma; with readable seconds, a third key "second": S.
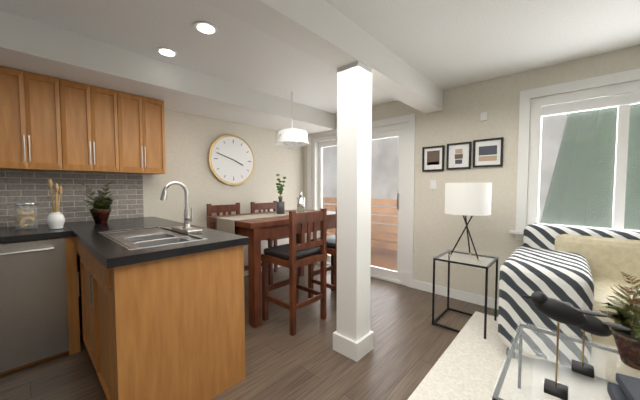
{"hour": 3, "minute": 48}
